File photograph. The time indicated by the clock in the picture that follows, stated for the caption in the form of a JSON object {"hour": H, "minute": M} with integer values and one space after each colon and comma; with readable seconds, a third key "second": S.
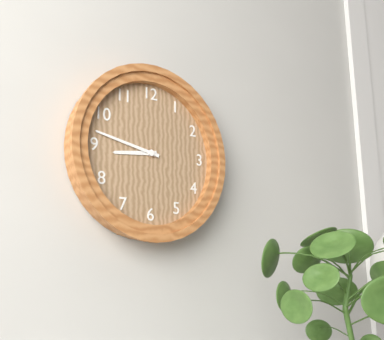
{"hour": 8, "minute": 47}
